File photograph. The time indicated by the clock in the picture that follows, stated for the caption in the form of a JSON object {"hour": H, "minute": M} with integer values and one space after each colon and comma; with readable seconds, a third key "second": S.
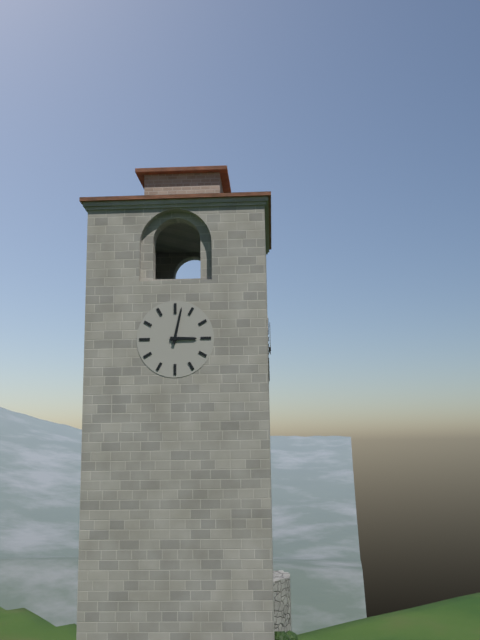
{"hour": 3, "minute": 2}
